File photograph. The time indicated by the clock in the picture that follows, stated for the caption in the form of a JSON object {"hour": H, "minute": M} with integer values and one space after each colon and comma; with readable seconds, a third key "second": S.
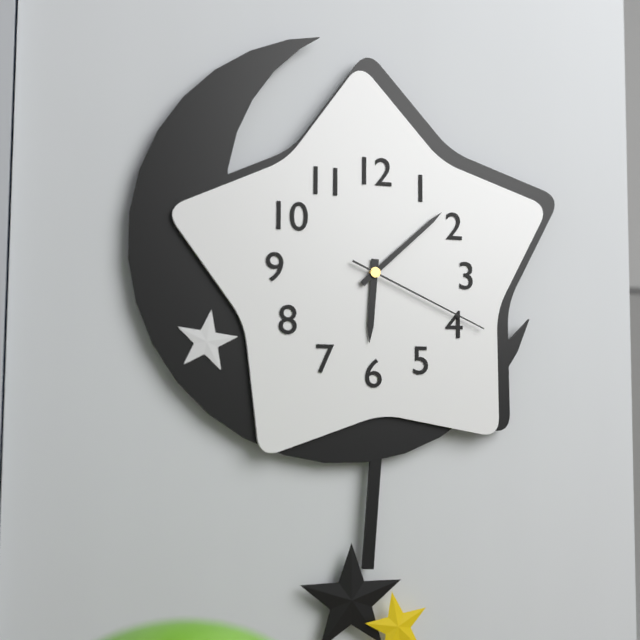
{"hour": 6, "minute": 8, "second": 19}
